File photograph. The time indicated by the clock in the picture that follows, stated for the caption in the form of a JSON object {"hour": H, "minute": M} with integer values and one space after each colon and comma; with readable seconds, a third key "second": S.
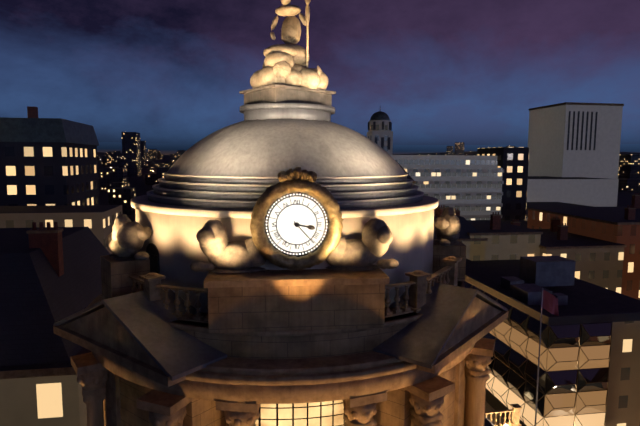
{"hour": 3, "minute": 23}
